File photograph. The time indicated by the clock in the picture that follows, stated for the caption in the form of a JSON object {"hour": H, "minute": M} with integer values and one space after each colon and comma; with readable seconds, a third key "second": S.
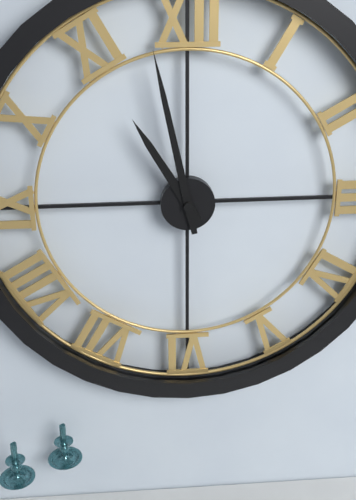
{"hour": 10, "minute": 58}
